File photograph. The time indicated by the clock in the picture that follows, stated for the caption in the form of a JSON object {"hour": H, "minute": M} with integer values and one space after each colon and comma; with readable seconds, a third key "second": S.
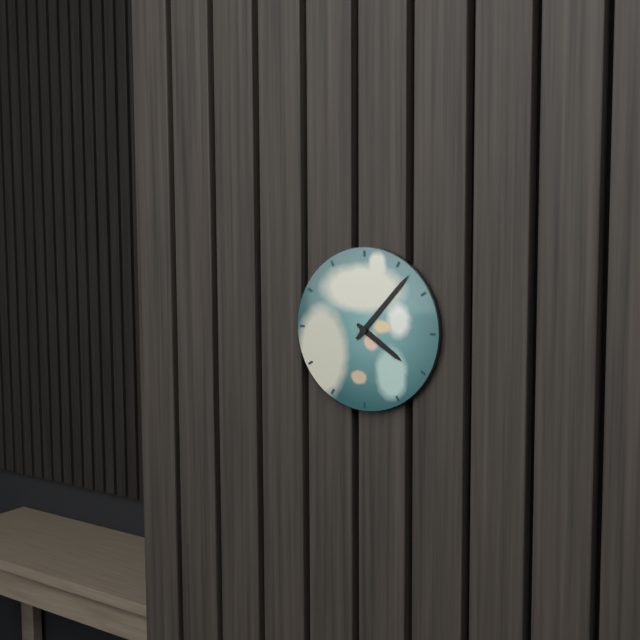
{"hour": 4, "minute": 7}
